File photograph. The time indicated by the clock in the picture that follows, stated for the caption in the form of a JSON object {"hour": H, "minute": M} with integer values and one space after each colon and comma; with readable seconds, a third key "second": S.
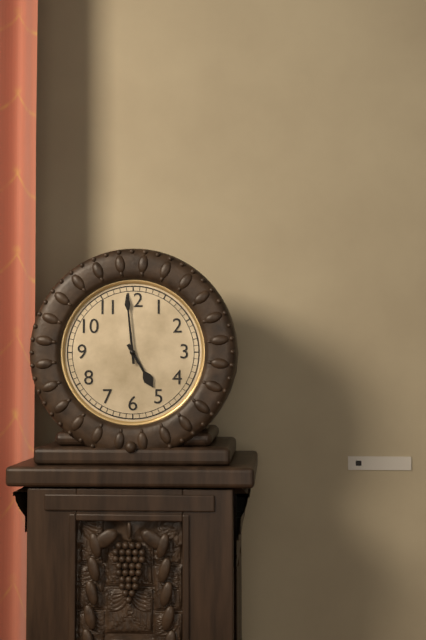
{"hour": 4, "minute": 59}
